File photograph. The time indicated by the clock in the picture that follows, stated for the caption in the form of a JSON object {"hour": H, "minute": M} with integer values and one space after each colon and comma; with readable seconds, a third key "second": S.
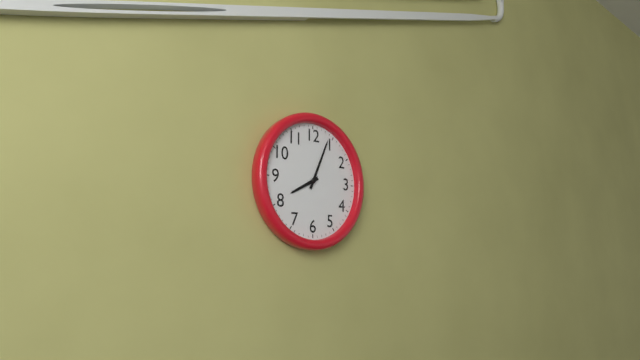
{"hour": 8, "minute": 4}
